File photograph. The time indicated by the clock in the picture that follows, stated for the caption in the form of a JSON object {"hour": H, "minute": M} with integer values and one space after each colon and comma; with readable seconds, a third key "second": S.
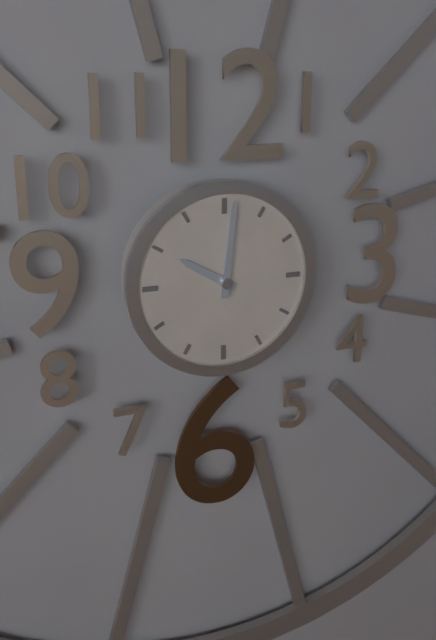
{"hour": 10, "minute": 1}
